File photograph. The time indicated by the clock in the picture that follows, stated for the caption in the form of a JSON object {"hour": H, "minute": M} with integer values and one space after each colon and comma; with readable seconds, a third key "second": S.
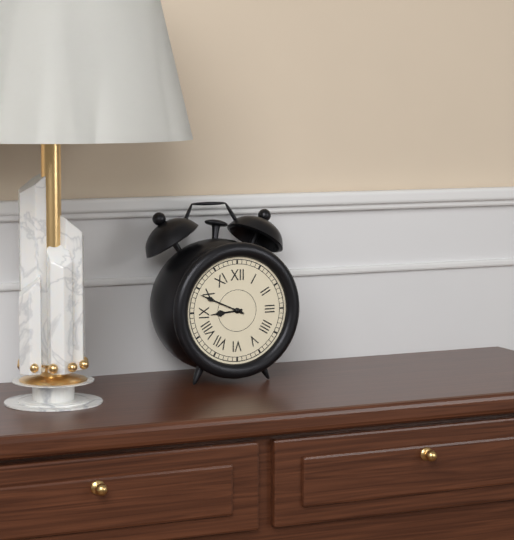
{"hour": 8, "minute": 49}
